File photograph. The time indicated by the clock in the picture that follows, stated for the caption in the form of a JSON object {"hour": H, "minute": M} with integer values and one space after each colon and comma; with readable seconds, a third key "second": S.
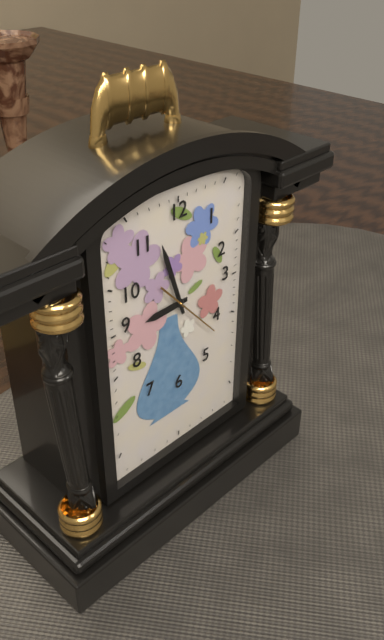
{"hour": 8, "minute": 57, "second": 23}
